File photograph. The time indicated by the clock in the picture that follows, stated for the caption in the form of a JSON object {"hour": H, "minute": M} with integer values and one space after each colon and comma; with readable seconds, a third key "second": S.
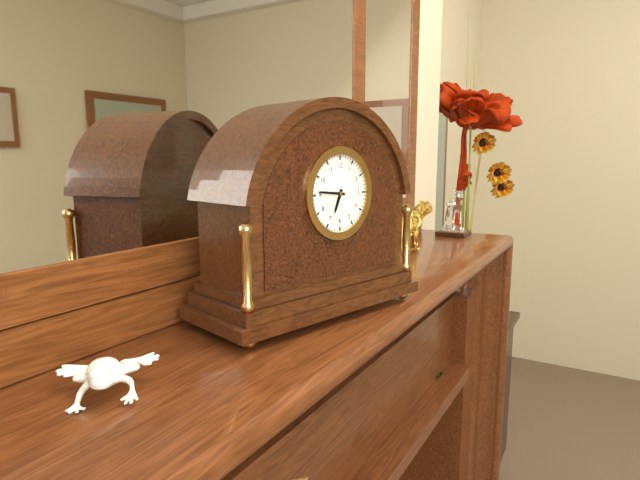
{"hour": 6, "minute": 46}
